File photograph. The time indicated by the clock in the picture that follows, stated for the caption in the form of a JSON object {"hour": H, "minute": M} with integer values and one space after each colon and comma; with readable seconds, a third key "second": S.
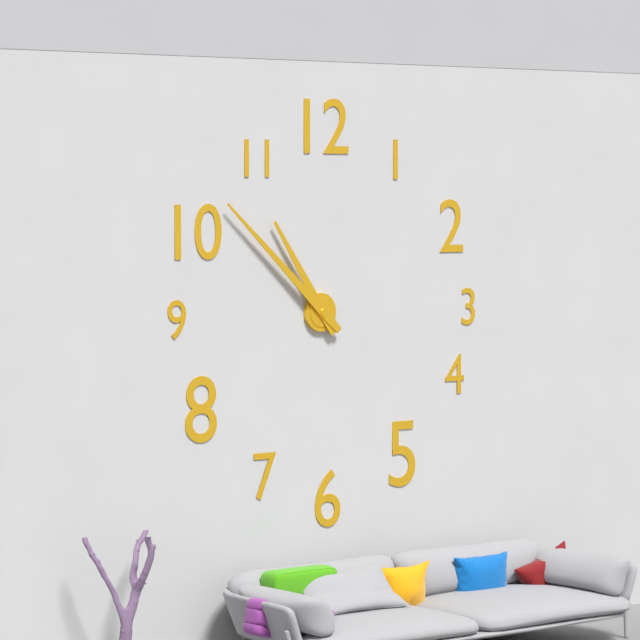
{"hour": 10, "minute": 52}
